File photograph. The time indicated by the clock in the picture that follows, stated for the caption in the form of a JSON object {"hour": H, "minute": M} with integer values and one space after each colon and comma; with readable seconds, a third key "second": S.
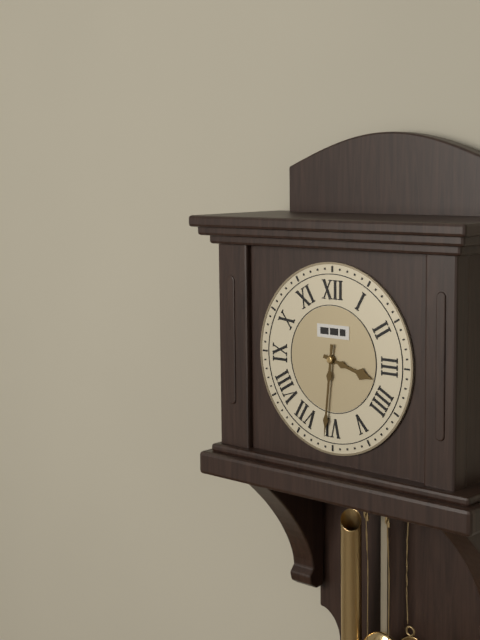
{"hour": 3, "minute": 31}
